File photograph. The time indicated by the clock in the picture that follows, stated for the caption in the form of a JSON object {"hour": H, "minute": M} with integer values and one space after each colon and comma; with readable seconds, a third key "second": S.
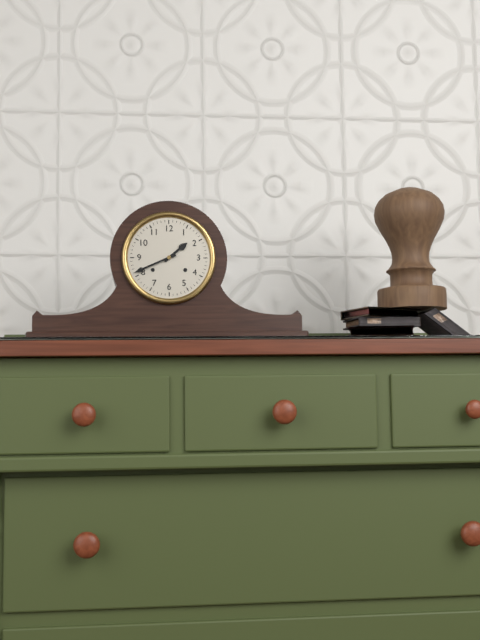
{"hour": 1, "minute": 41}
